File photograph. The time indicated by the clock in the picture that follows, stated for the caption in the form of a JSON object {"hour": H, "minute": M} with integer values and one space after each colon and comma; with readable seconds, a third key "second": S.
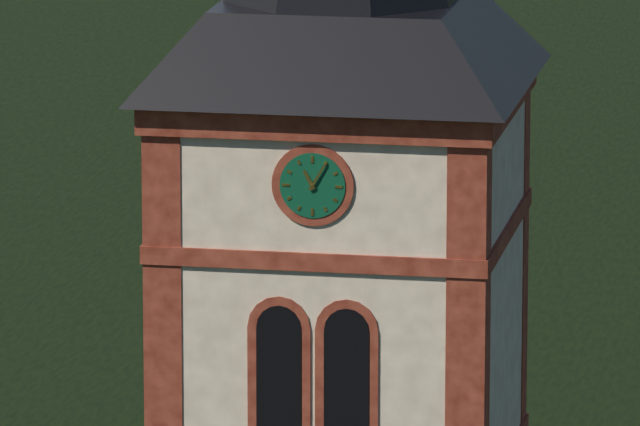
{"hour": 11, "minute": 5}
